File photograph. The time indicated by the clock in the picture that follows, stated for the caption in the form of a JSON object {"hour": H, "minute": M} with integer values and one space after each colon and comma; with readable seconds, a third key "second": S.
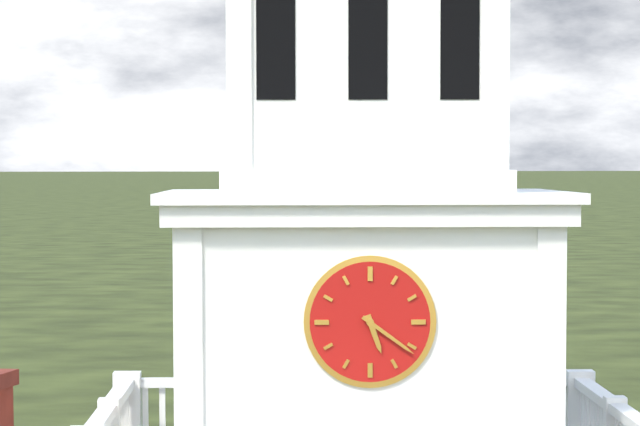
{"hour": 5, "minute": 21}
